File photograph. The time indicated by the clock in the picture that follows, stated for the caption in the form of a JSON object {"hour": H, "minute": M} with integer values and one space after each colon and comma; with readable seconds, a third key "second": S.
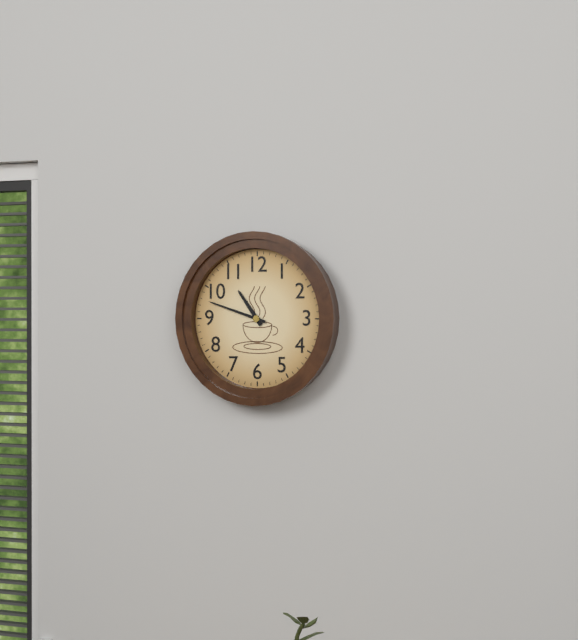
{"hour": 10, "minute": 48}
